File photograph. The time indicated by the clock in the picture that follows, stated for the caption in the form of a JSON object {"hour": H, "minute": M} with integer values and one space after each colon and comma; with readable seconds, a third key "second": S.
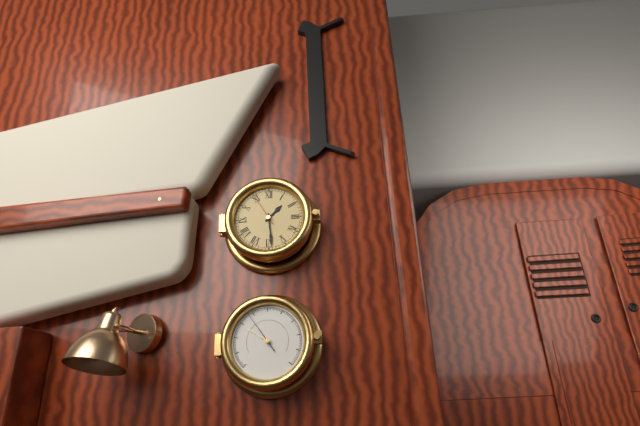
{"hour": 1, "minute": 29}
